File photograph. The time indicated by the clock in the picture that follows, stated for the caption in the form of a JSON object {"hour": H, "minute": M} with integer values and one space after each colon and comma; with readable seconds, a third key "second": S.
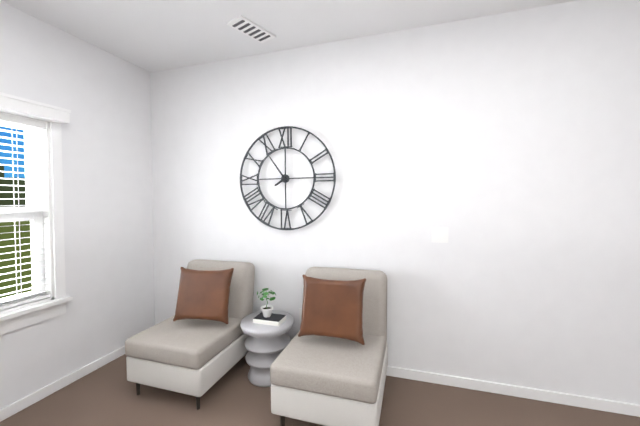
{"hour": 7, "minute": 54}
